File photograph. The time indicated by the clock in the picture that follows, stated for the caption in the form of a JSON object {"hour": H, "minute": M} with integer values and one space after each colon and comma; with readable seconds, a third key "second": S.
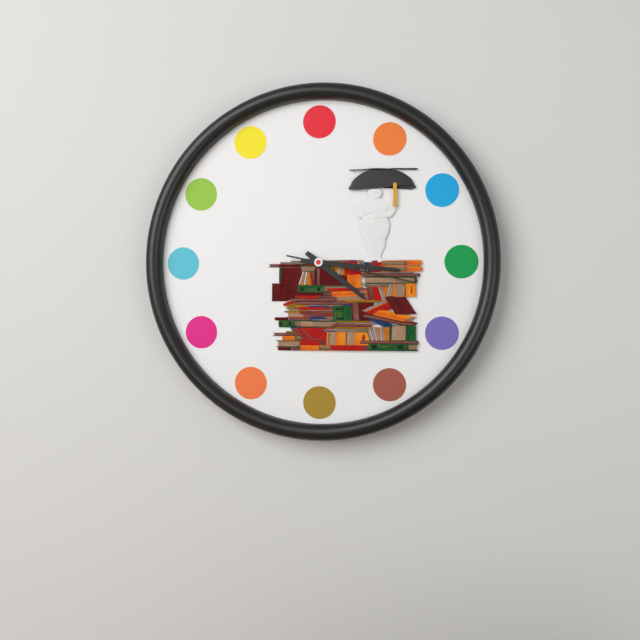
{"hour": 4, "minute": 16, "second": 17}
